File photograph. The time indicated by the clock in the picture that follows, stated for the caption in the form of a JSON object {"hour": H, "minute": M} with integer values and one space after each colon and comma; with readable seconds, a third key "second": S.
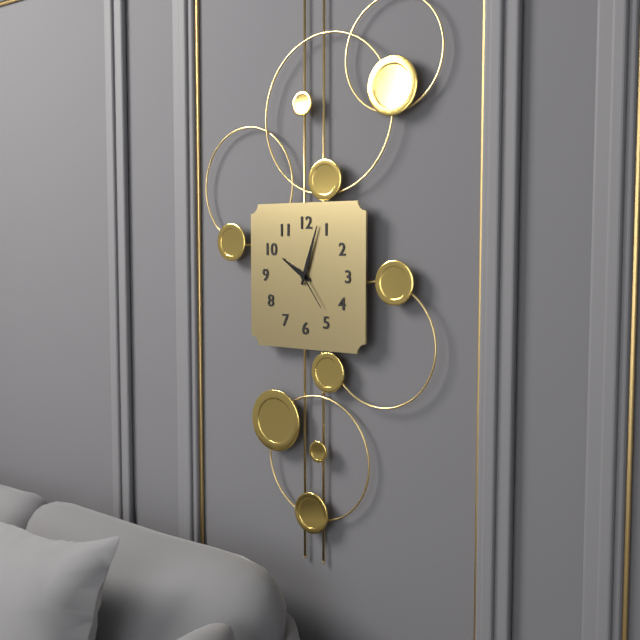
{"hour": 10, "minute": 3}
